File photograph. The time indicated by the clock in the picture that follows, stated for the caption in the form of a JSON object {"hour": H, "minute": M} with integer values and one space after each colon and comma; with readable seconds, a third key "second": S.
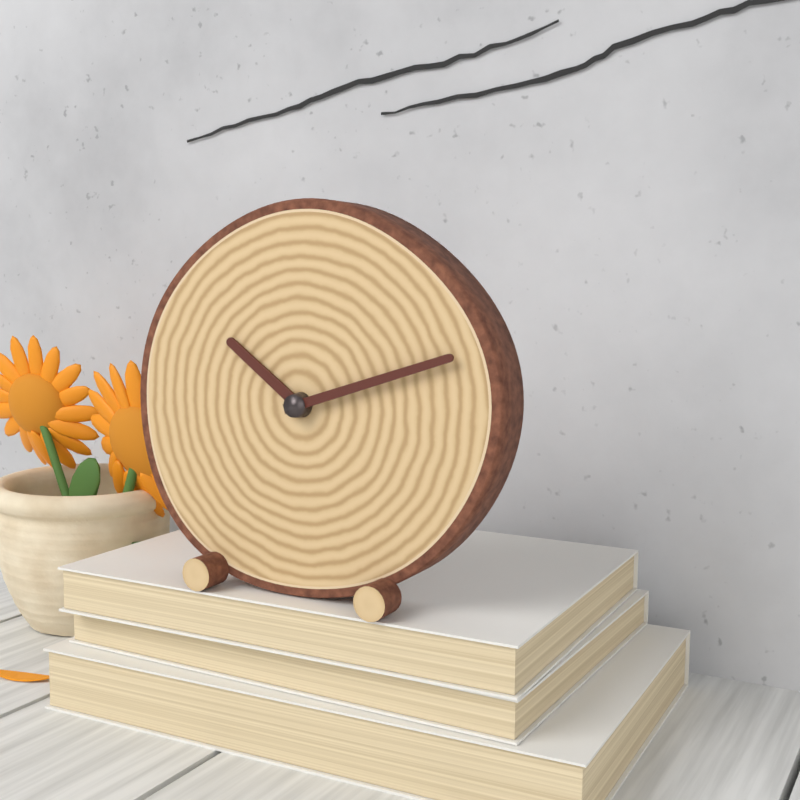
{"hour": 10, "minute": 12}
